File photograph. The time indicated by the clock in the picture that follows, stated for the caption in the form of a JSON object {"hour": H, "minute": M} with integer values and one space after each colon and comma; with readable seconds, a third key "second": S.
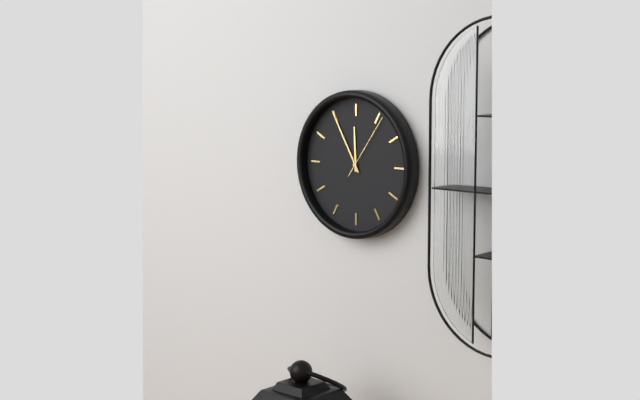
{"hour": 11, "minute": 55, "second": 6}
